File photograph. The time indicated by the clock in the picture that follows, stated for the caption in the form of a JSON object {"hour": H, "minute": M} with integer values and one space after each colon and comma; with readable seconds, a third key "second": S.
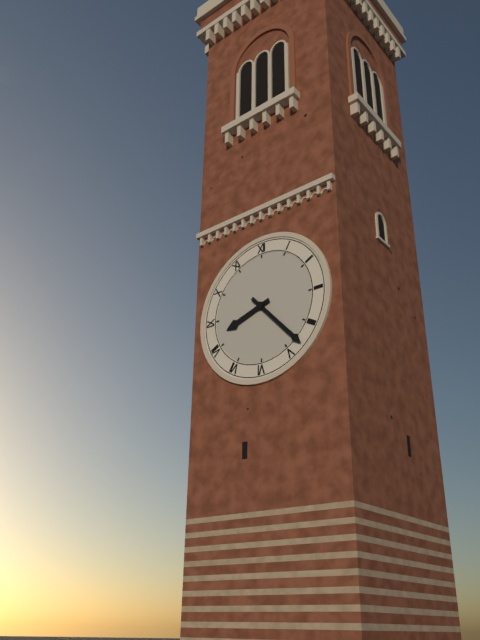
{"hour": 8, "minute": 23}
